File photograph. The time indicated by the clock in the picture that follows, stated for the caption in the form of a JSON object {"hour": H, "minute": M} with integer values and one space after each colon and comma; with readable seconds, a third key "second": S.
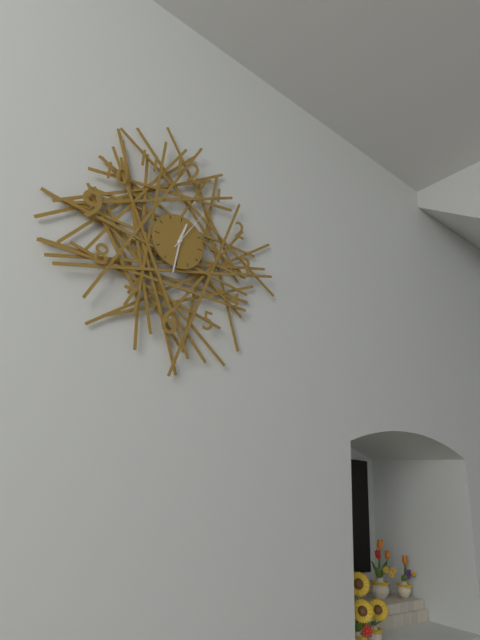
{"hour": 12, "minute": 31, "second": 5}
